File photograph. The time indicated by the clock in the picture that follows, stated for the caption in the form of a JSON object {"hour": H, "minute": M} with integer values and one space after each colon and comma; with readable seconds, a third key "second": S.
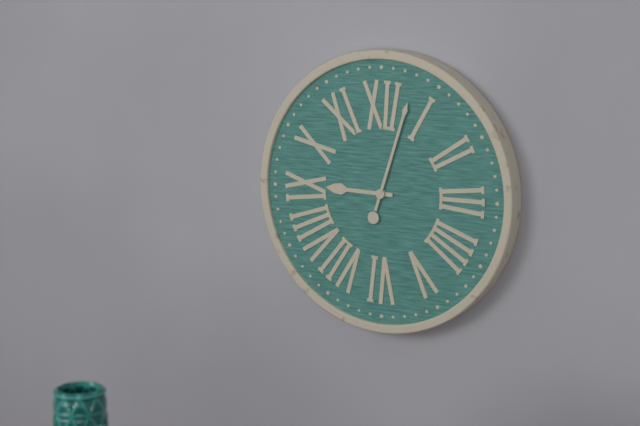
{"hour": 9, "minute": 3}
